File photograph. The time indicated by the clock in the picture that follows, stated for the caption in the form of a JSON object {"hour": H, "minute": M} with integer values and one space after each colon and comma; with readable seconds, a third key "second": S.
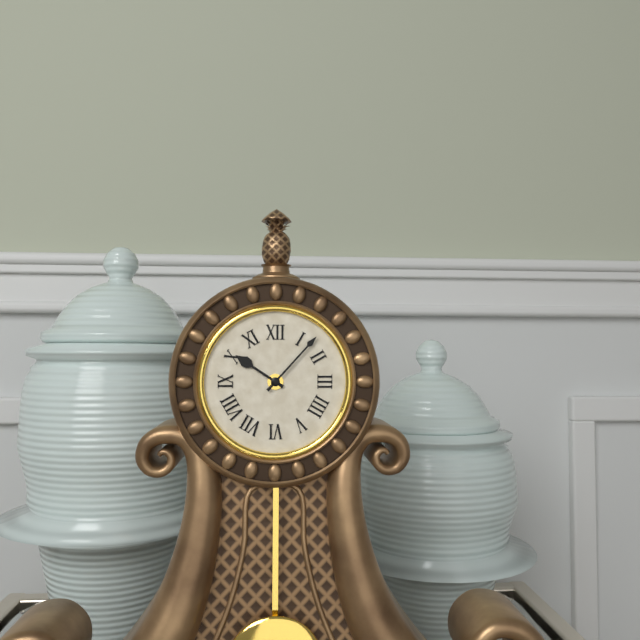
{"hour": 10, "minute": 7}
